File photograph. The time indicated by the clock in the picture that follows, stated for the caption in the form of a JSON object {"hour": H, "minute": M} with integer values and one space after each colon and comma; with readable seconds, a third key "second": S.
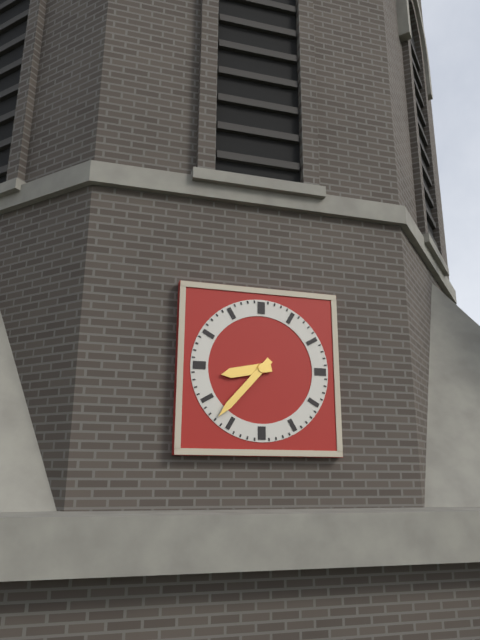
{"hour": 8, "minute": 37}
